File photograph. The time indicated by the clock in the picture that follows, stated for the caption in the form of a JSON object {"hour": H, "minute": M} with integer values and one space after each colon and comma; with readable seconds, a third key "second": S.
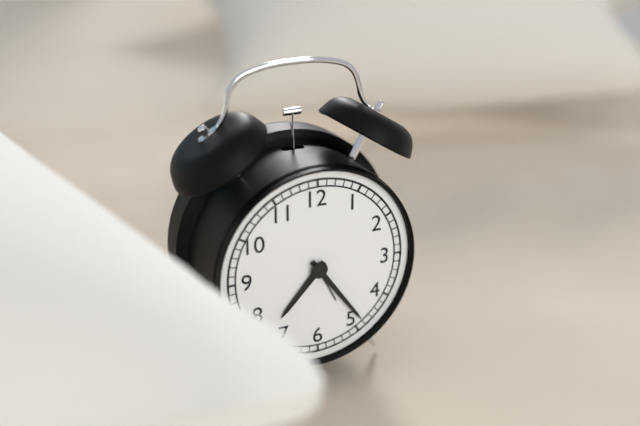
{"hour": 7, "minute": 24}
